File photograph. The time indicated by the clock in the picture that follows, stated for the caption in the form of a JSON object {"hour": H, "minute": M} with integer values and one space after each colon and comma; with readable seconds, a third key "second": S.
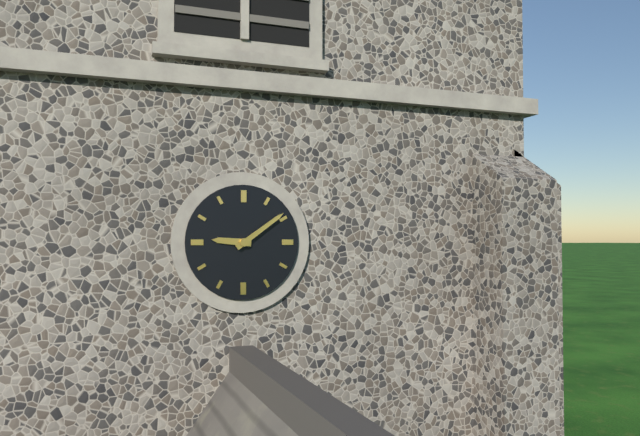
{"hour": 9, "minute": 9}
